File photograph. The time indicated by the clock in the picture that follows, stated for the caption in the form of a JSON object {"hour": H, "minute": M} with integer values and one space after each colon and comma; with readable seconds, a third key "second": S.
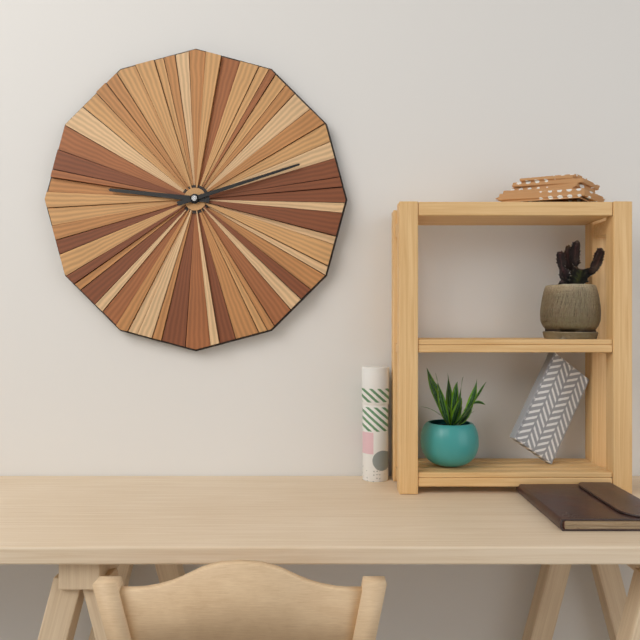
{"hour": 9, "minute": 12}
